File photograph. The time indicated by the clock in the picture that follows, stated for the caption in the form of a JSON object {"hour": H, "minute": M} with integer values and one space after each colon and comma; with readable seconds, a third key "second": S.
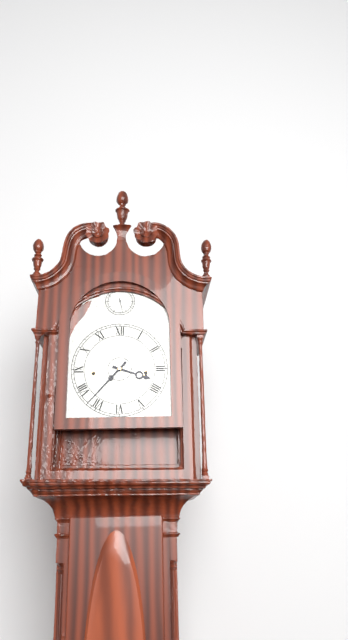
{"hour": 3, "minute": 37}
